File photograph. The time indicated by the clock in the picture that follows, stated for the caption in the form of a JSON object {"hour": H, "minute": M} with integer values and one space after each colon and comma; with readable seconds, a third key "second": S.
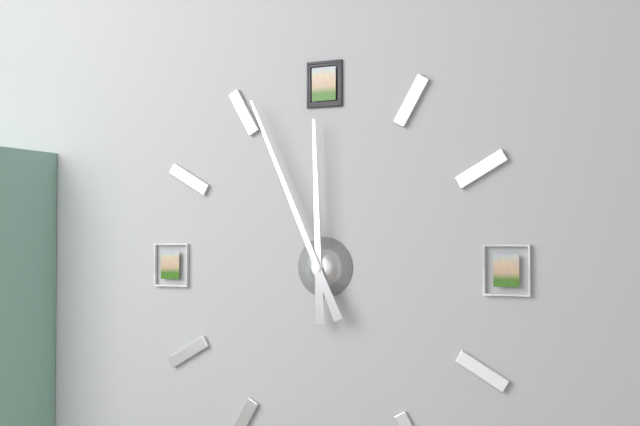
{"hour": 11, "minute": 56}
